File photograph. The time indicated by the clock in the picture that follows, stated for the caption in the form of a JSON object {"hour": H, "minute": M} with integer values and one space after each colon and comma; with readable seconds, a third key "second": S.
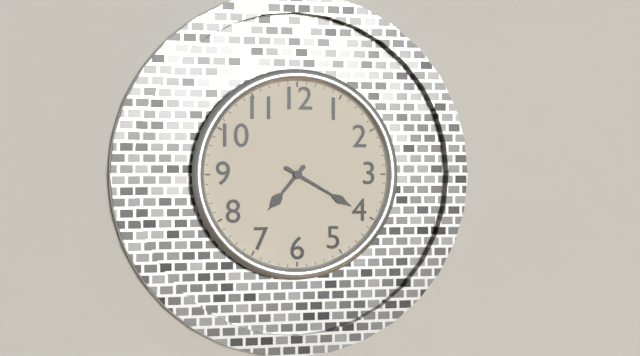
{"hour": 7, "minute": 20}
